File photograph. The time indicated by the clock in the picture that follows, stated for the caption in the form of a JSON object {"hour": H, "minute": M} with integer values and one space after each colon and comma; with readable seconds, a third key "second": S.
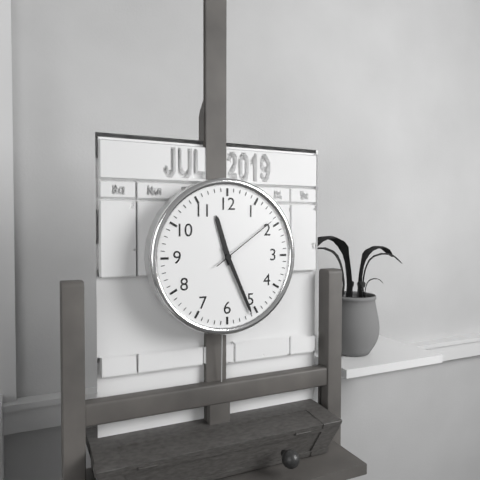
{"hour": 11, "minute": 26, "second": 9}
